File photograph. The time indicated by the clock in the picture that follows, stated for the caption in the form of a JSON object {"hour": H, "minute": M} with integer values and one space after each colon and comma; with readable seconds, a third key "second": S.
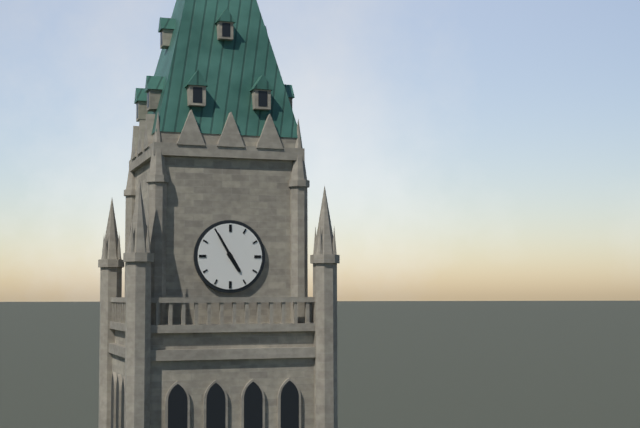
{"hour": 4, "minute": 55}
